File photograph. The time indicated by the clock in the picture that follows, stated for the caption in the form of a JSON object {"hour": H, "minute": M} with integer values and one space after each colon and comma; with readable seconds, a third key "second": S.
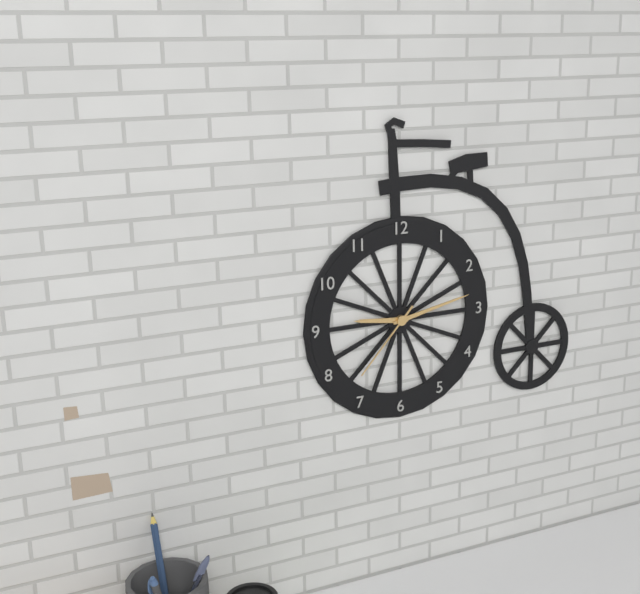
{"hour": 9, "minute": 13, "second": 37}
